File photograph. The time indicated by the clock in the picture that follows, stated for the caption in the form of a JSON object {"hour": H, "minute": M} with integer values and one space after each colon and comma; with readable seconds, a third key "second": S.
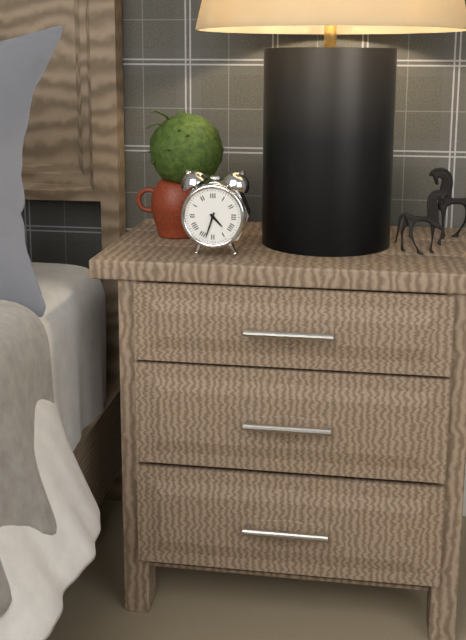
{"hour": 4, "minute": 33}
